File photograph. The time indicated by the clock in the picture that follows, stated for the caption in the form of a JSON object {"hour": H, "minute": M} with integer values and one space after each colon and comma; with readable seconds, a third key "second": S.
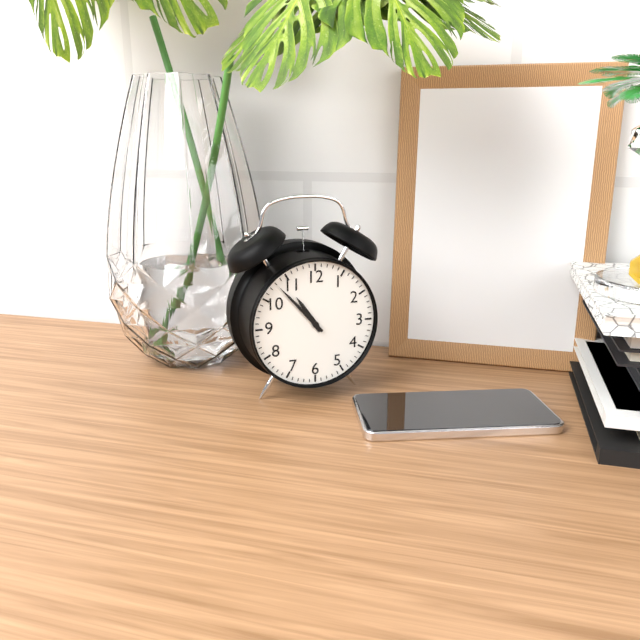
{"hour": 10, "minute": 53}
